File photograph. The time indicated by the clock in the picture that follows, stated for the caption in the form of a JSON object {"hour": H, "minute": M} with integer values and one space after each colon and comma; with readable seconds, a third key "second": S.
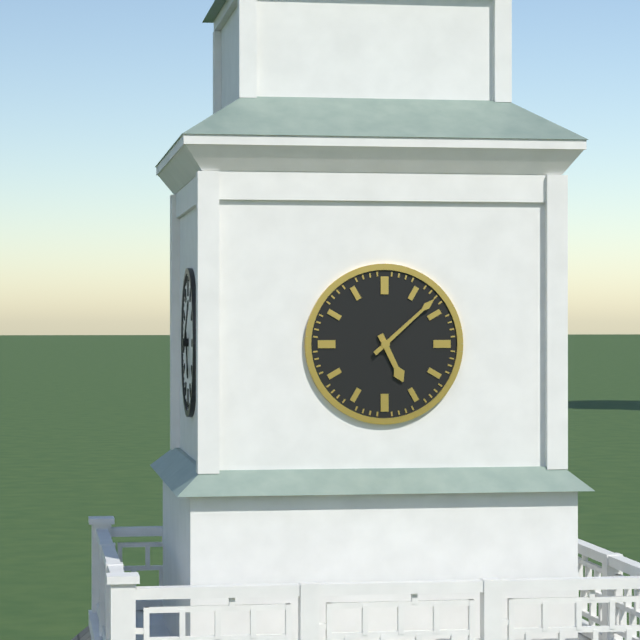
{"hour": 5, "minute": 8}
